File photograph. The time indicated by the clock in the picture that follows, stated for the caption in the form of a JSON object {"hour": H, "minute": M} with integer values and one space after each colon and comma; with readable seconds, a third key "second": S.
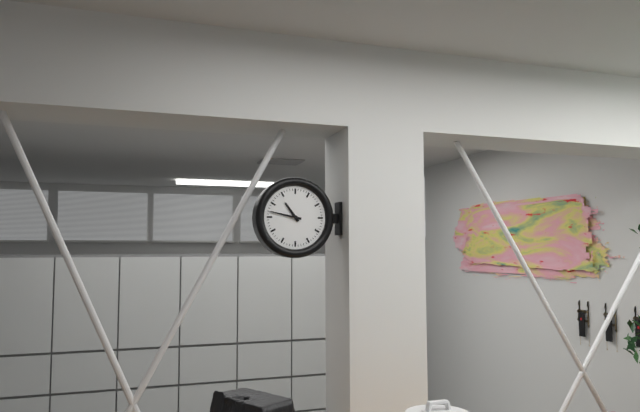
{"hour": 10, "minute": 47}
